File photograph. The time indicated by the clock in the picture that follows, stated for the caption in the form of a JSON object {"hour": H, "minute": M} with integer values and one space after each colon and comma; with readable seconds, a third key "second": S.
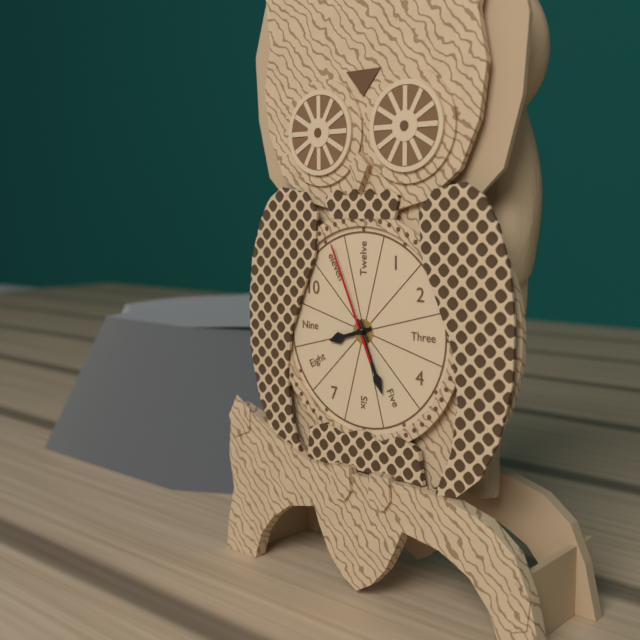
{"hour": 8, "minute": 26, "second": 56}
